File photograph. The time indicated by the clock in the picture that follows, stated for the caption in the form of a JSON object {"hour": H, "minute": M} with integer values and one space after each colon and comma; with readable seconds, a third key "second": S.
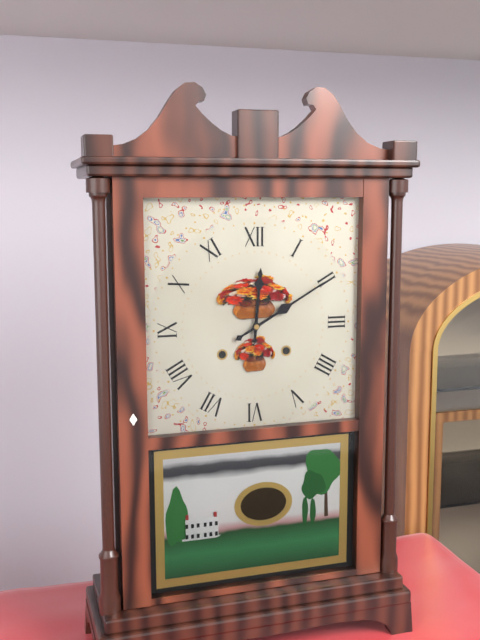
{"hour": 12, "minute": 10}
